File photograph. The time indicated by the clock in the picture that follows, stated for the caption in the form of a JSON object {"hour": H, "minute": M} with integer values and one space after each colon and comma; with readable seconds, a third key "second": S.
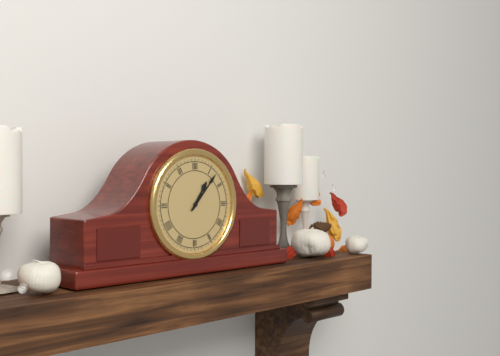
{"hour": 1, "minute": 7}
